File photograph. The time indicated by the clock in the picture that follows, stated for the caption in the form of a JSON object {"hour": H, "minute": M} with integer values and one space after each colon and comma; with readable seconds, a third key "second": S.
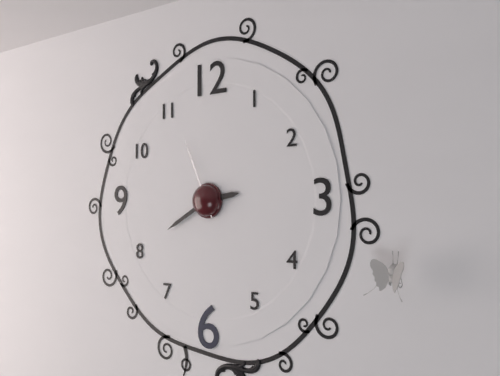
{"hour": 2, "minute": 40, "second": 56}
